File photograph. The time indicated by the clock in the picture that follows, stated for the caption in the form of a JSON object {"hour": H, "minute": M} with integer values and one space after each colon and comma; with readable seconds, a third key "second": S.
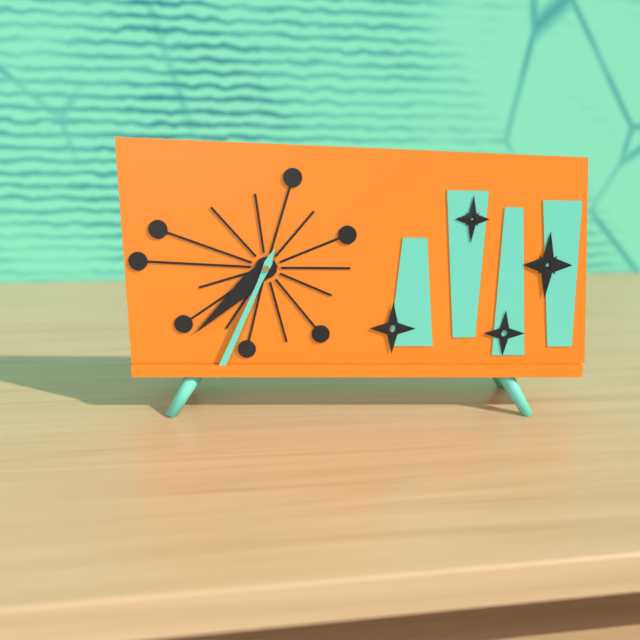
{"hour": 7, "minute": 34}
